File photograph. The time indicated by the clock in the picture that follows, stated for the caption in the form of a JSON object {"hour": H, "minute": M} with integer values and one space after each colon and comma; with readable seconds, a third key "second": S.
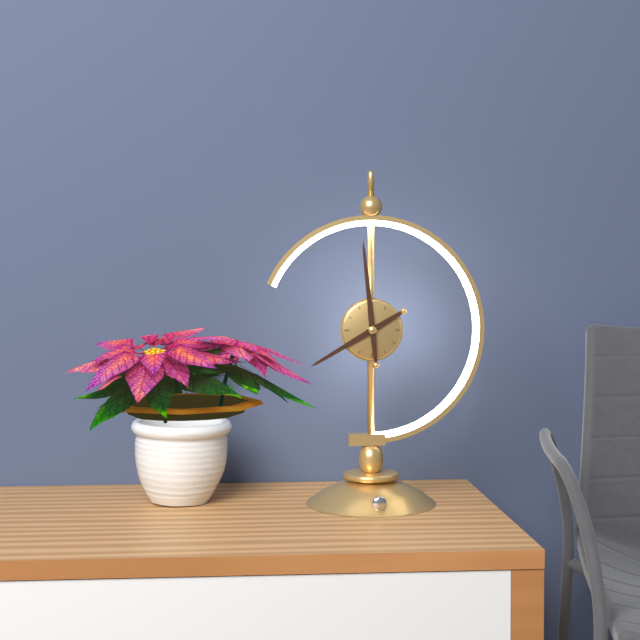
{"hour": 7, "minute": 59}
